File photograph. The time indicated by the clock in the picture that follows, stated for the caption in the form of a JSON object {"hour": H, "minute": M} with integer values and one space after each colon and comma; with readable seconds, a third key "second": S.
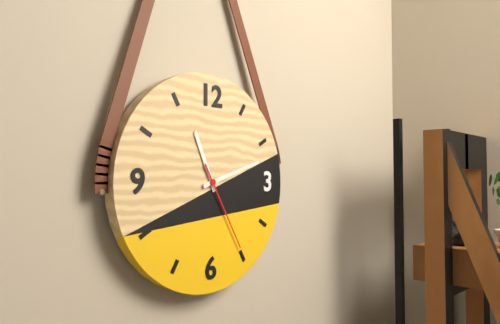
{"hour": 11, "minute": 12, "second": 25}
